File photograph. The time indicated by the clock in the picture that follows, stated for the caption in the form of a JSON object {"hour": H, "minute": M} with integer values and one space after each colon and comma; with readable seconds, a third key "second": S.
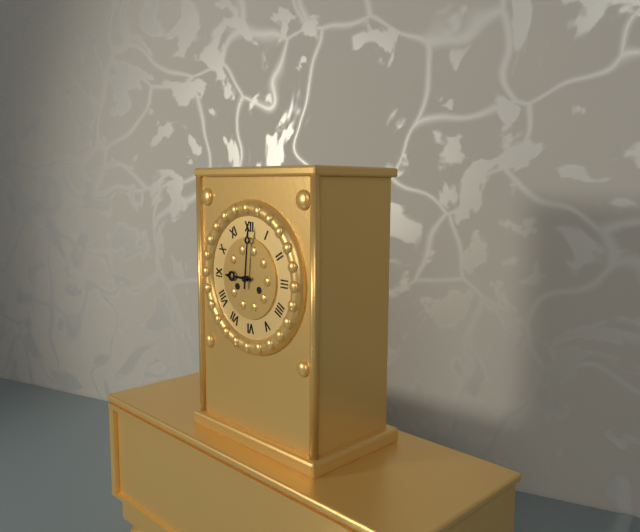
{"hour": 9, "minute": 1}
